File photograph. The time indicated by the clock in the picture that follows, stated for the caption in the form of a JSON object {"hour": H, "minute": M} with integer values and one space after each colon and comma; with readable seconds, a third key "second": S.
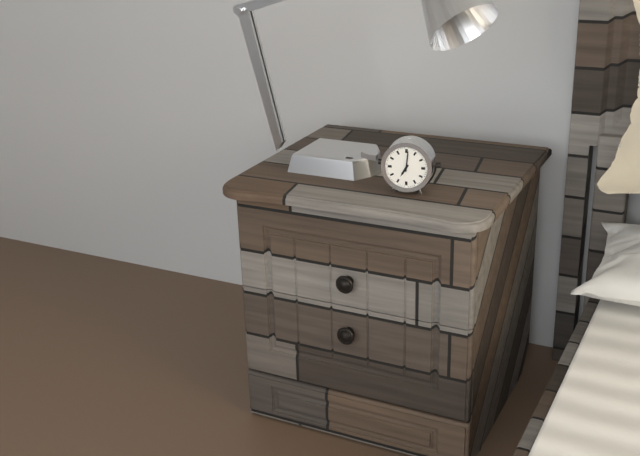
{"hour": 7, "minute": 1}
